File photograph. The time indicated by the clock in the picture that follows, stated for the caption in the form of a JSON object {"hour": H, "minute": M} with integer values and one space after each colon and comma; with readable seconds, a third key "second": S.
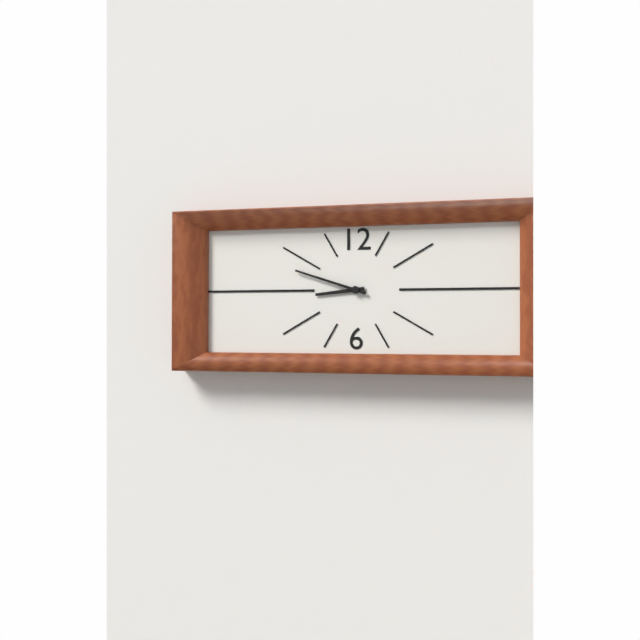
{"hour": 8, "minute": 48}
